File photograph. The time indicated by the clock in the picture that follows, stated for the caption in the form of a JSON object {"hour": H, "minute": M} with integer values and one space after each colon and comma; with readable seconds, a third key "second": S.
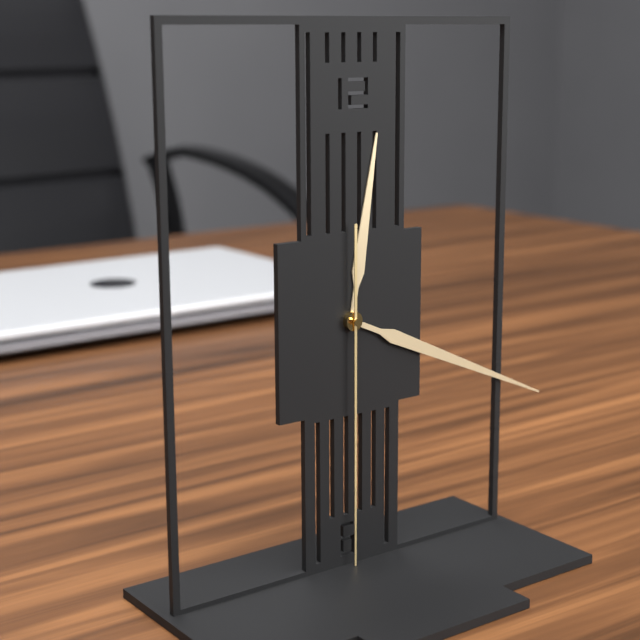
{"hour": 12, "minute": 19, "second": 30}
